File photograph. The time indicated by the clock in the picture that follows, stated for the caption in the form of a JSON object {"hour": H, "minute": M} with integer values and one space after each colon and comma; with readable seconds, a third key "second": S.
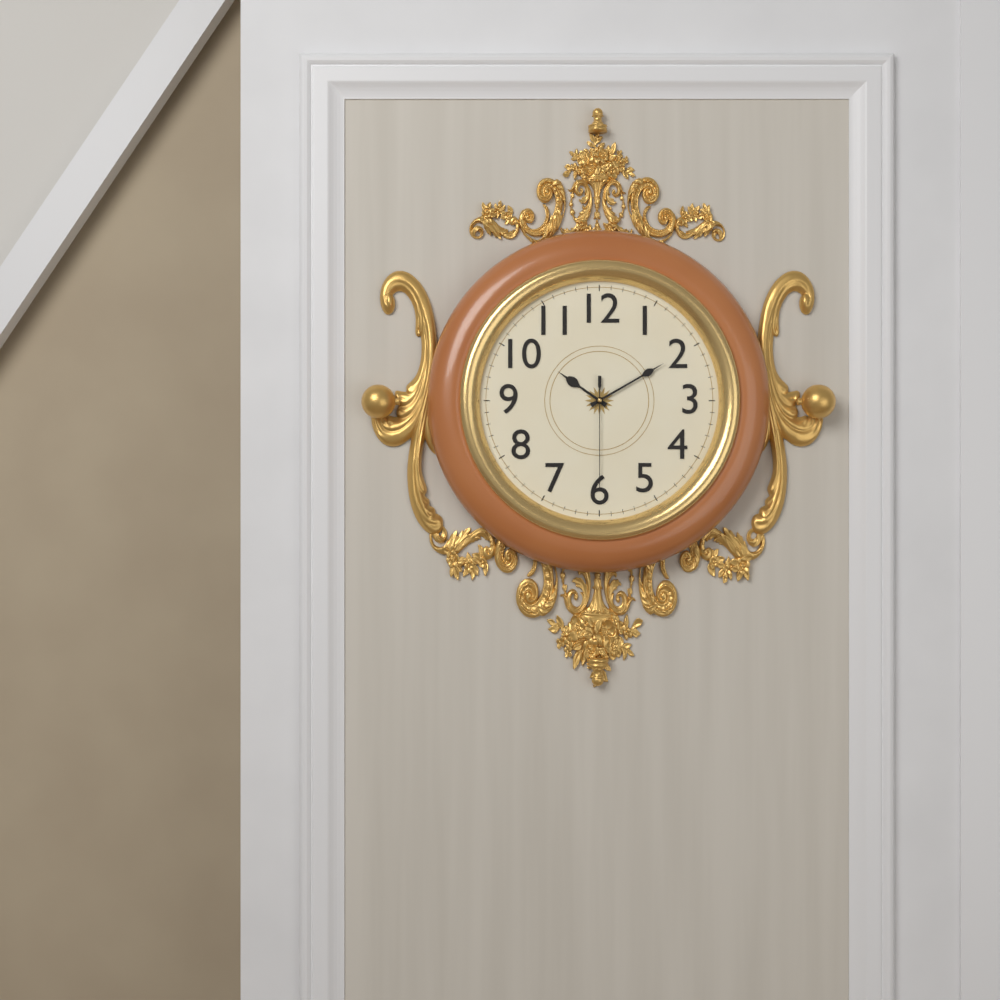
{"hour": 10, "minute": 10, "second": 30}
